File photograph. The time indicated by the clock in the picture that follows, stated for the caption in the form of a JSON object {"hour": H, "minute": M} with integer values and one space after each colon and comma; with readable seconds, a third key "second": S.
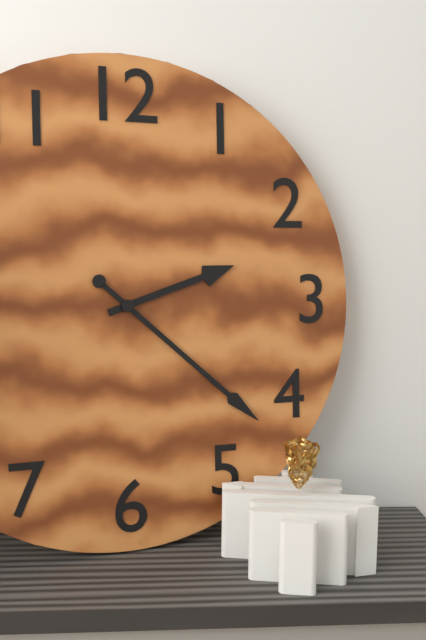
{"hour": 2, "minute": 22}
